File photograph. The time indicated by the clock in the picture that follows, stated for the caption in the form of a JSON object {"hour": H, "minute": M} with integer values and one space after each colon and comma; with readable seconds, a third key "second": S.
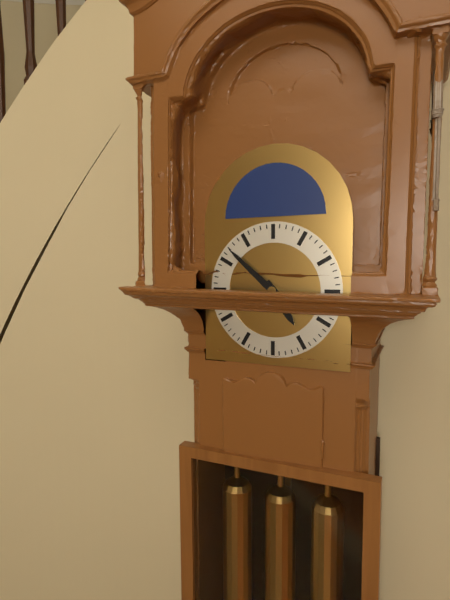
{"hour": 4, "minute": 52}
